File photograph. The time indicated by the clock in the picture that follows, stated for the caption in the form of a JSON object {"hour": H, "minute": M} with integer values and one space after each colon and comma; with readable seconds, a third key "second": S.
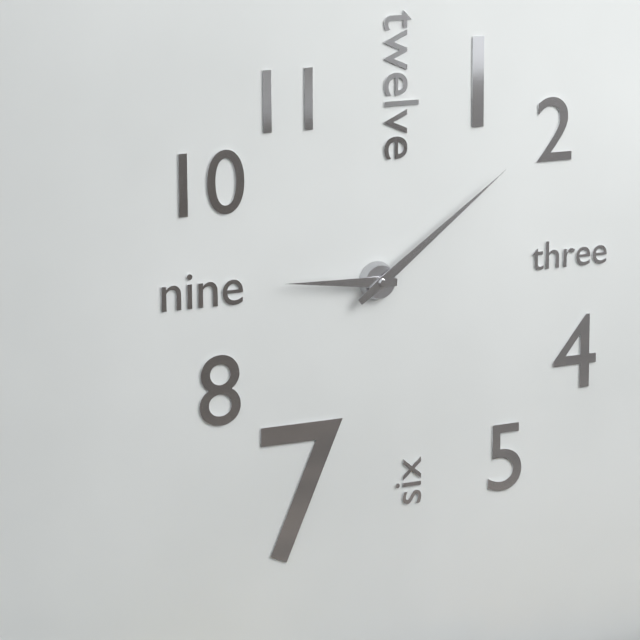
{"hour": 9, "minute": 9}
